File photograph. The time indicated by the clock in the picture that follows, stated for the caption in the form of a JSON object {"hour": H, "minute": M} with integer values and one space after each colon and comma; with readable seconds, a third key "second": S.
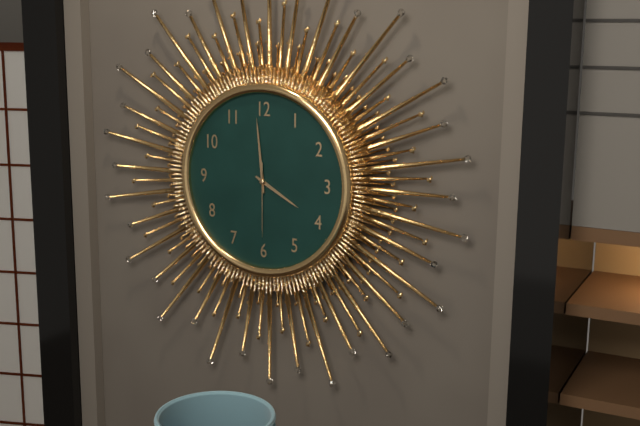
{"hour": 3, "minute": 59, "second": 30}
